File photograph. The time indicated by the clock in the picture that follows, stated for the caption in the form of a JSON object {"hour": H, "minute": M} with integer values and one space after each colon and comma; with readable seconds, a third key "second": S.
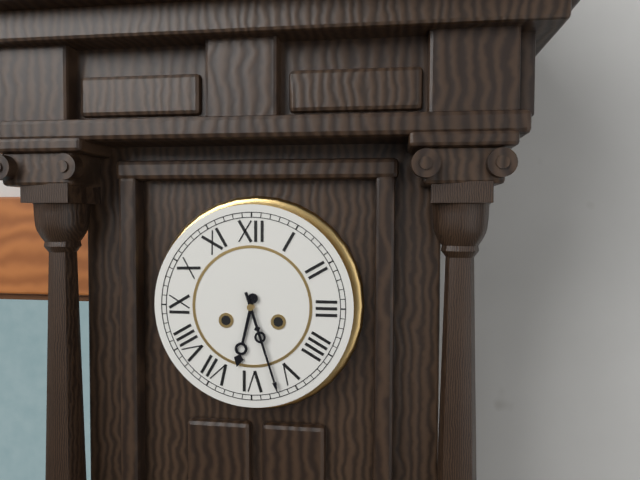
{"hour": 6, "minute": 27}
